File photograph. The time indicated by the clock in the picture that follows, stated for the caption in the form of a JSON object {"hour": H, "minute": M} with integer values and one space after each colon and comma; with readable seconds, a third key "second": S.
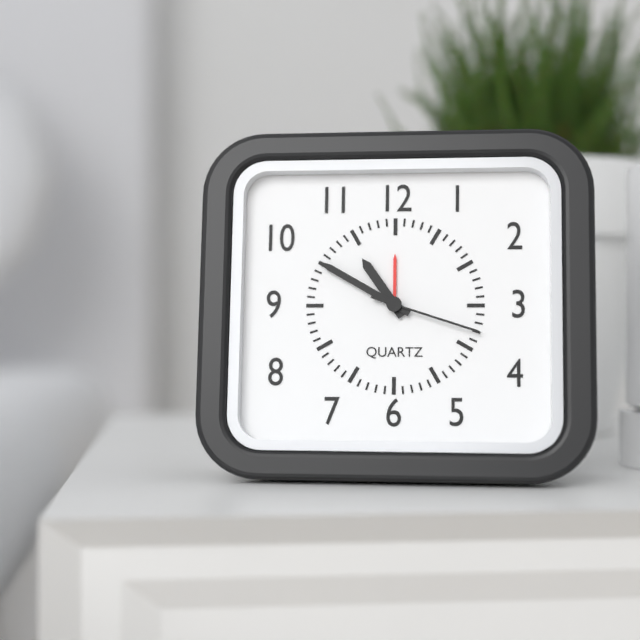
{"hour": 10, "minute": 50, "second": 18}
